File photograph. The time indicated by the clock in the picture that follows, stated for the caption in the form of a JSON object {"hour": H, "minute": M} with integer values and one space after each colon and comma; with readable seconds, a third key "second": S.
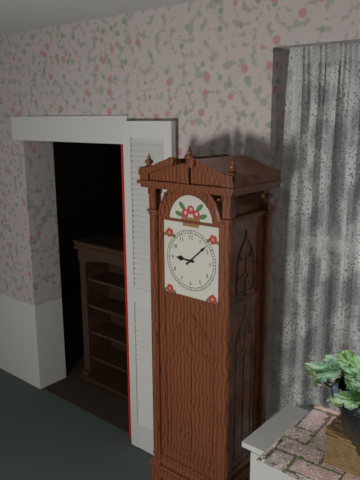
{"hour": 9, "minute": 8}
